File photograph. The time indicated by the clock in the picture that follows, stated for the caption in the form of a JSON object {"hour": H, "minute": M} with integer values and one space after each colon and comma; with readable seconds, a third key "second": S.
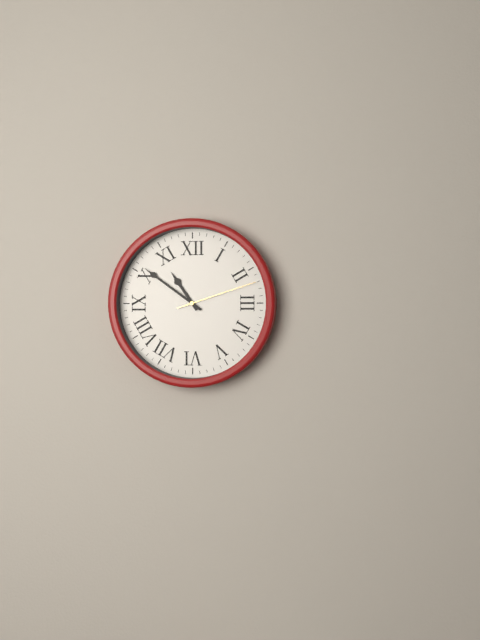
{"hour": 10, "minute": 51, "second": 12}
